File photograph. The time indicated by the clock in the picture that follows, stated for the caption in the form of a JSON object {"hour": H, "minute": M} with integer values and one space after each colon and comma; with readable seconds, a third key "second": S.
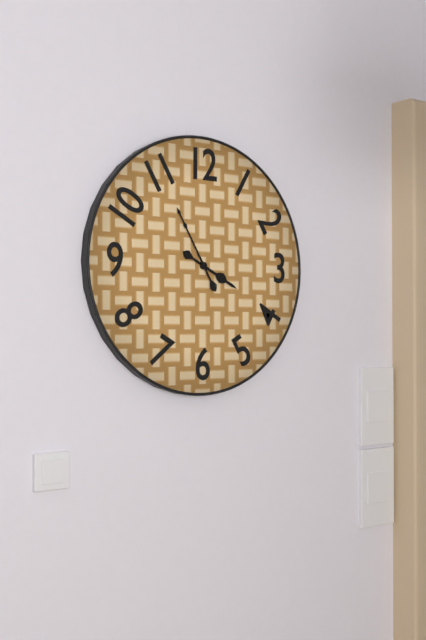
{"hour": 3, "minute": 55}
